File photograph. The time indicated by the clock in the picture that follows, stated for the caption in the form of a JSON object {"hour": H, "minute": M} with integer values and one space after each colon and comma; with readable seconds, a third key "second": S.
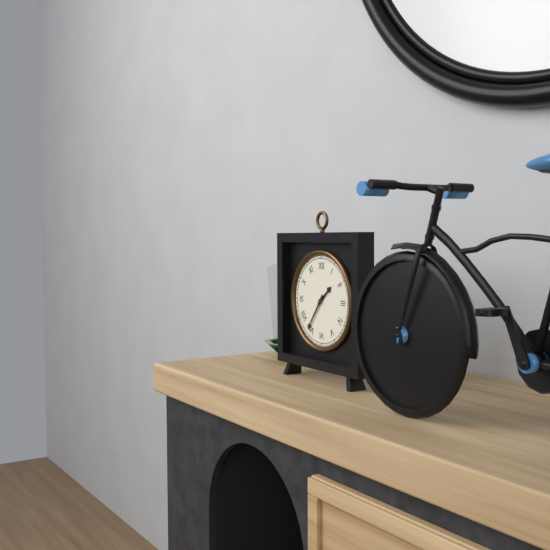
{"hour": 1, "minute": 36}
